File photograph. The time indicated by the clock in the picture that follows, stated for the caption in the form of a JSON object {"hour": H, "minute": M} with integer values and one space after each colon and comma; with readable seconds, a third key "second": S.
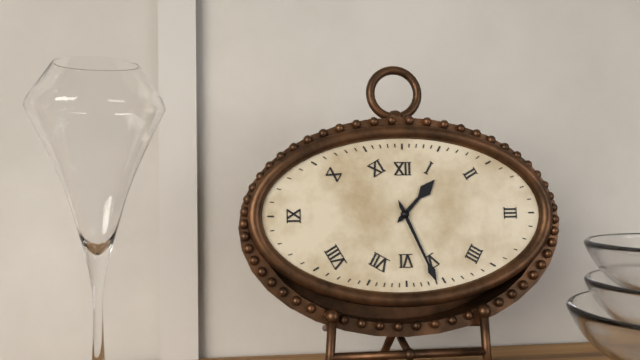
{"hour": 1, "minute": 26}
